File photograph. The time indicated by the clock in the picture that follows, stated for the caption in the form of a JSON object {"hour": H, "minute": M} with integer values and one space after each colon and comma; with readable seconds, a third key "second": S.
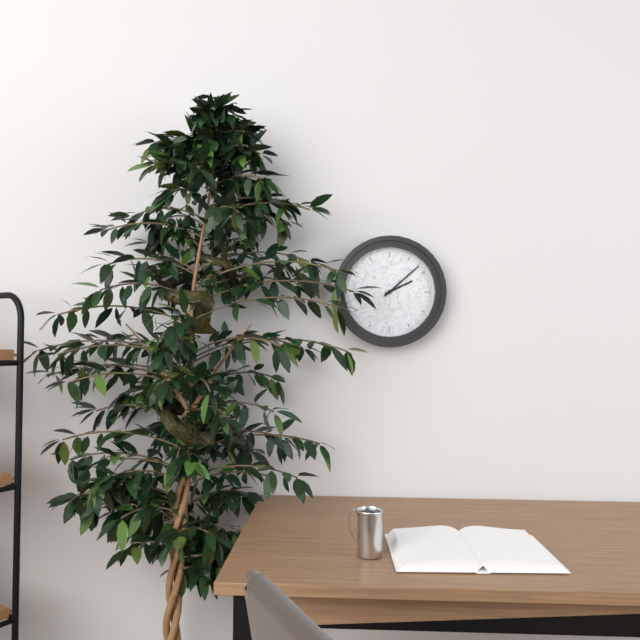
{"hour": 2, "minute": 8}
